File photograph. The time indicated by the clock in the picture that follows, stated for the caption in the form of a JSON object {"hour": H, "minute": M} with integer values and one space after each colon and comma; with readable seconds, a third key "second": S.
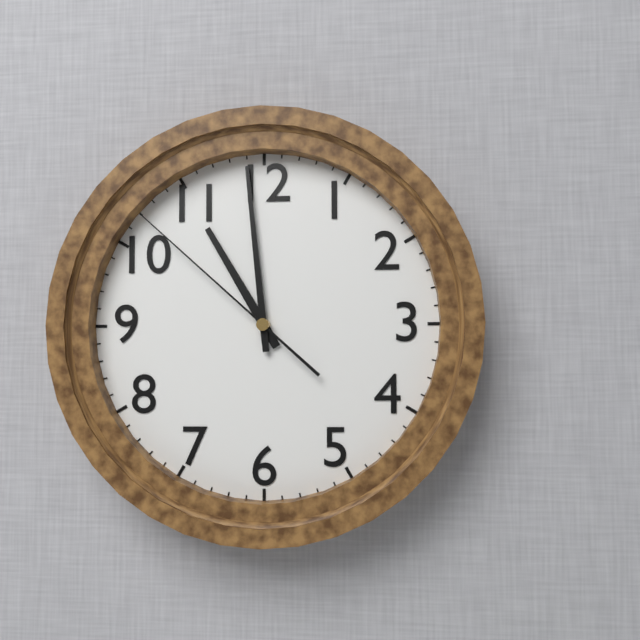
{"hour": 10, "minute": 59, "second": 52}
